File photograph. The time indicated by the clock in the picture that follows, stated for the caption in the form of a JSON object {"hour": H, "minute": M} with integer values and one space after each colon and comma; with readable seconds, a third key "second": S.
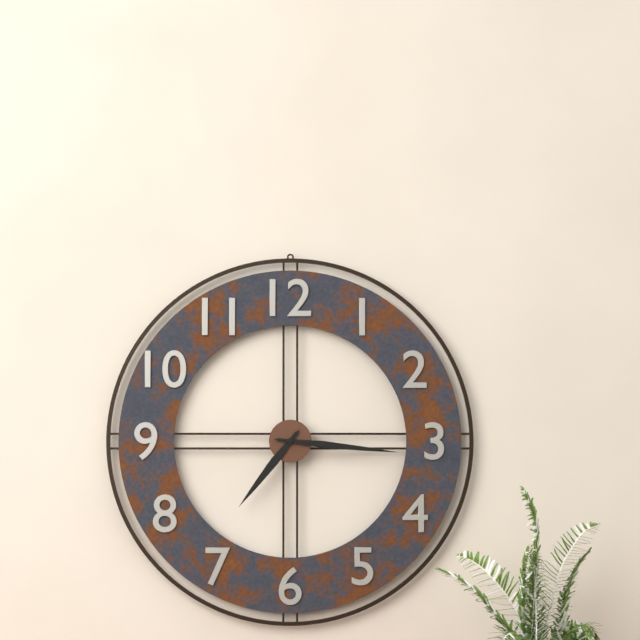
{"hour": 7, "minute": 16}
